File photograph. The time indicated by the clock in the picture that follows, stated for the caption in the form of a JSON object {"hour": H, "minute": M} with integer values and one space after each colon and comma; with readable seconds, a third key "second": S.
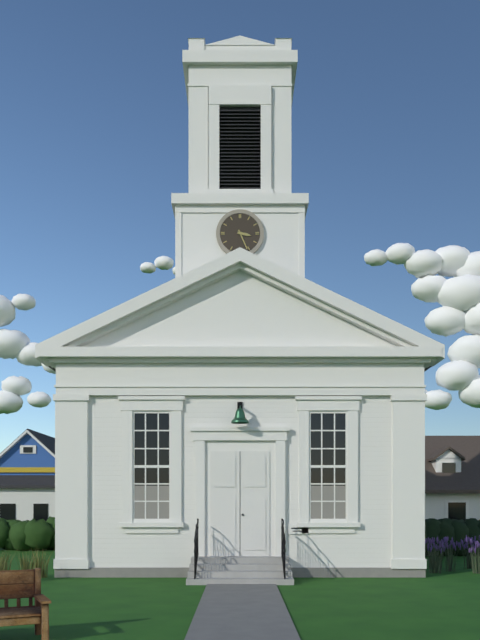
{"hour": 3, "minute": 26}
